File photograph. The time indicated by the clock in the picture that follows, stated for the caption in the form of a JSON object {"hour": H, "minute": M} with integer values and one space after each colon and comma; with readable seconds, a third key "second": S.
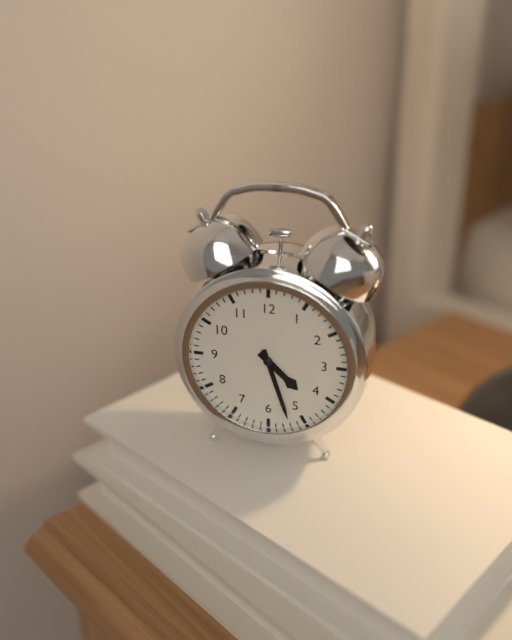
{"hour": 4, "minute": 27}
